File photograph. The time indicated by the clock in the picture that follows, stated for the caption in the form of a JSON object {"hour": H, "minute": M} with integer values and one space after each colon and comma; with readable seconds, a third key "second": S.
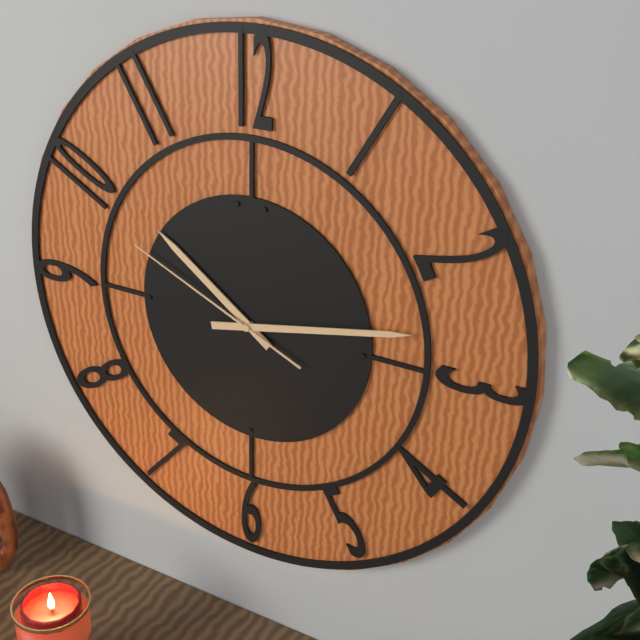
{"hour": 10, "minute": 13, "second": 49}
